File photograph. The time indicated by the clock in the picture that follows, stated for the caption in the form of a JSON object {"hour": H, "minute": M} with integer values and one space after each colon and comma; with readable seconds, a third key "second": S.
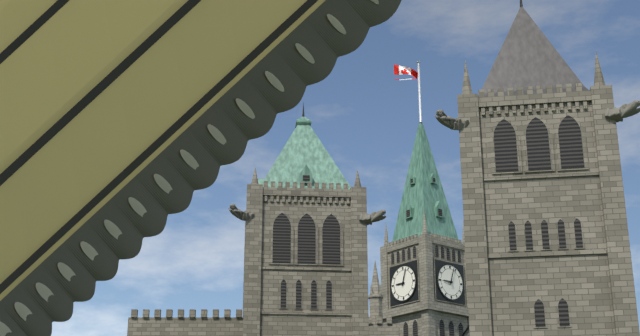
{"hour": 9, "minute": 3}
